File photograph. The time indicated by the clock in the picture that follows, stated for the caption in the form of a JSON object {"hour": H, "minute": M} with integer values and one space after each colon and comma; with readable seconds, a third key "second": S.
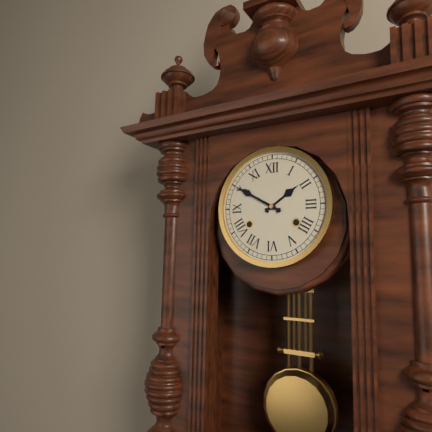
{"hour": 1, "minute": 50}
